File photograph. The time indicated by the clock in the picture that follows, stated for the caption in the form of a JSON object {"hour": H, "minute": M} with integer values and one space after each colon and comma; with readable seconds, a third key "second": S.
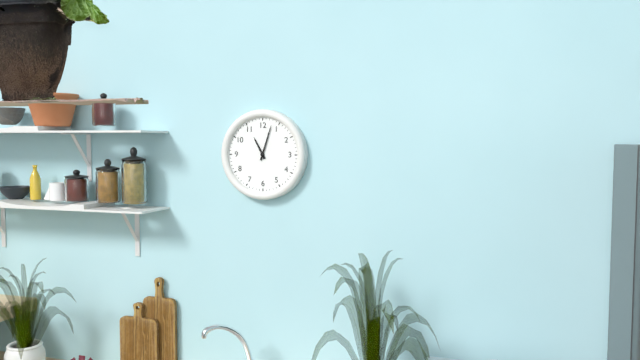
{"hour": 11, "minute": 3}
